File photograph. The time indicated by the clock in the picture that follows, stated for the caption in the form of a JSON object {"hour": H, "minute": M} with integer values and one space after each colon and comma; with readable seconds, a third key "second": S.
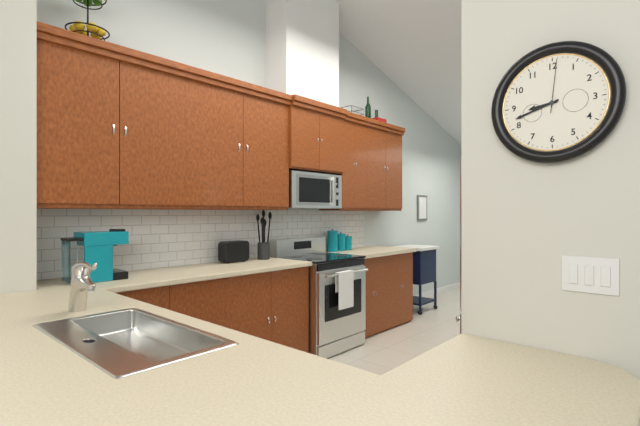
{"hour": 8, "minute": 42, "second": 1}
